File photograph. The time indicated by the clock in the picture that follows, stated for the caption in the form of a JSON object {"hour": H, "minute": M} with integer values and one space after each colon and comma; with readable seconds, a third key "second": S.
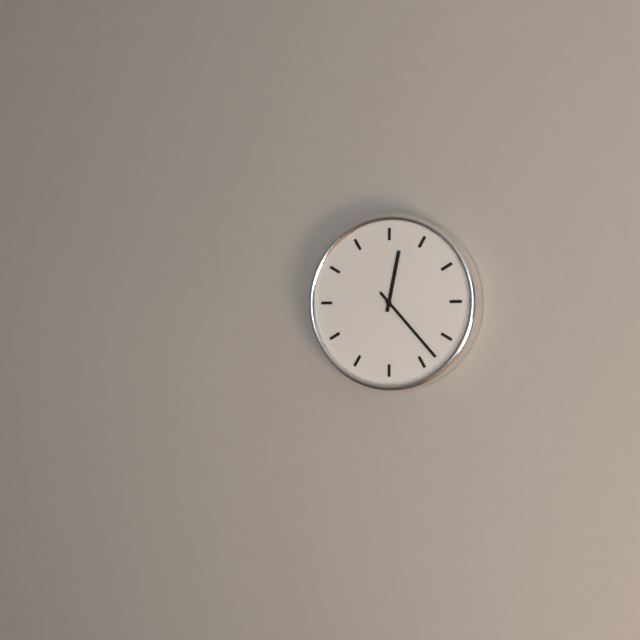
{"hour": 12, "minute": 23}
